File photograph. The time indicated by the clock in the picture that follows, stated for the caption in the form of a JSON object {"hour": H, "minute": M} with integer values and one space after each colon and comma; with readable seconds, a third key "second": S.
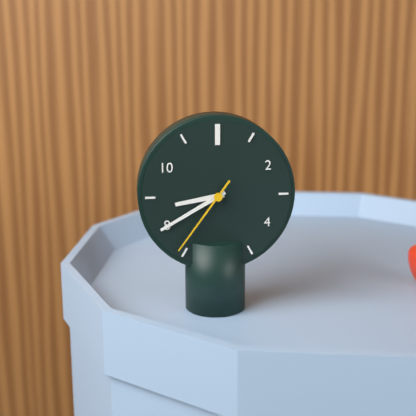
{"hour": 8, "minute": 40, "second": 36}
